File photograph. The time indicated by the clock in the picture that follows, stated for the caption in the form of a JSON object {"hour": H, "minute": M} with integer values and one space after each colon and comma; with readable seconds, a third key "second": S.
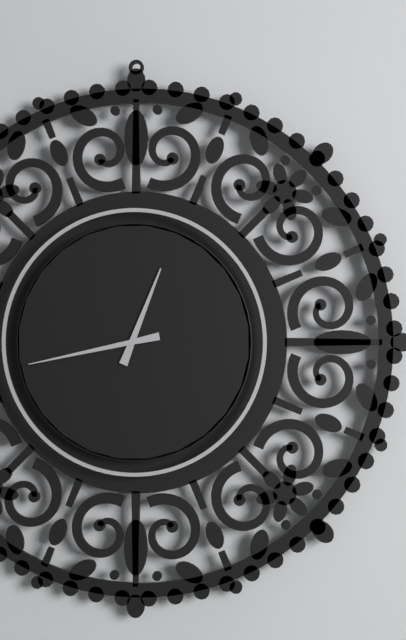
{"hour": 12, "minute": 43}
